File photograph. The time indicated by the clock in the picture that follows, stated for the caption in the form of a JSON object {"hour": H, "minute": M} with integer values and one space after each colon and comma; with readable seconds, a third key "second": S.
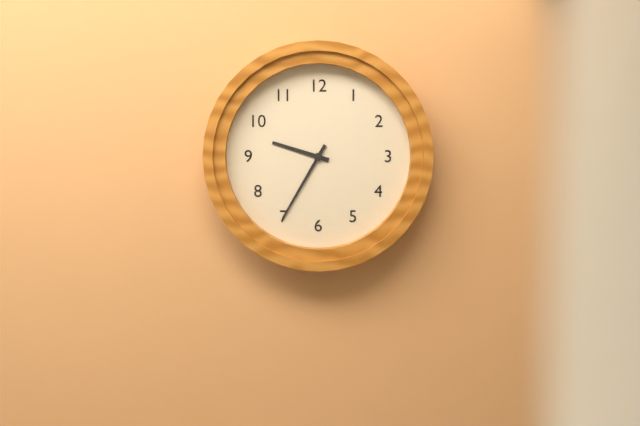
{"hour": 9, "minute": 35}
